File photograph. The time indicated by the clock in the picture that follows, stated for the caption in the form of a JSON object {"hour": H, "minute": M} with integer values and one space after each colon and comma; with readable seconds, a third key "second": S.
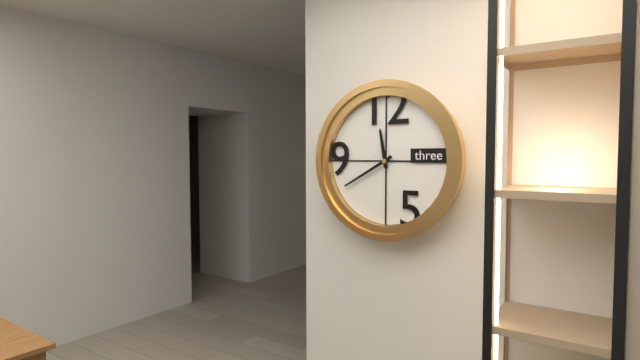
{"hour": 11, "minute": 40}
